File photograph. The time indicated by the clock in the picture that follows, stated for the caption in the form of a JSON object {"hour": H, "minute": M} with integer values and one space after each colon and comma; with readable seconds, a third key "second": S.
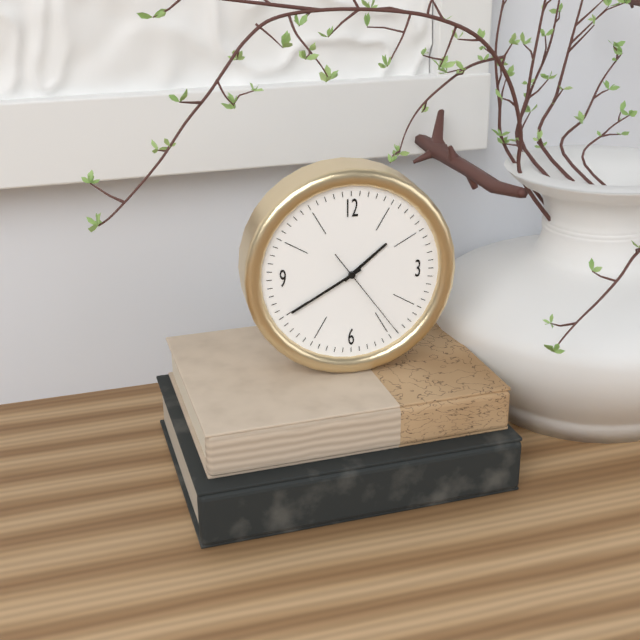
{"hour": 1, "minute": 40, "second": 24}
